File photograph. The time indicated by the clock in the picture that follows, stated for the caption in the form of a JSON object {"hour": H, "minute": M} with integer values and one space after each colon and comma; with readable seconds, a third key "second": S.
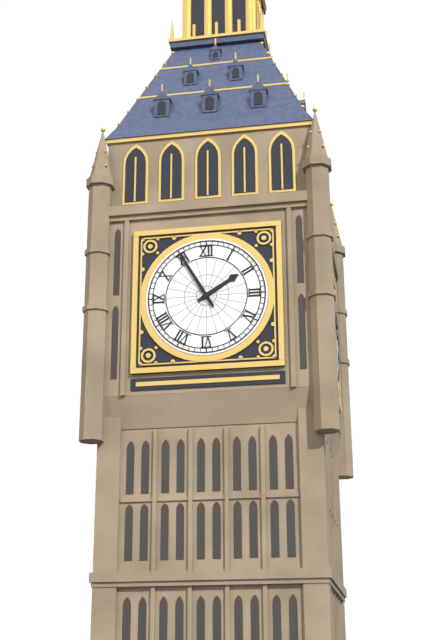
{"hour": 1, "minute": 55}
